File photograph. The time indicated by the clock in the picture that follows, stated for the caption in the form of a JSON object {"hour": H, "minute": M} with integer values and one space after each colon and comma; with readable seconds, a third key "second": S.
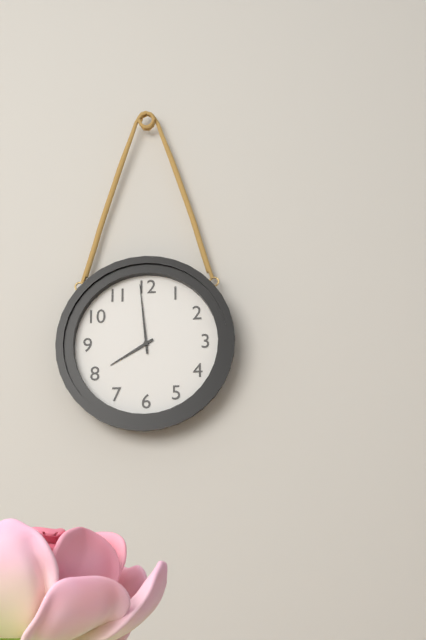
{"hour": 7, "minute": 59}
